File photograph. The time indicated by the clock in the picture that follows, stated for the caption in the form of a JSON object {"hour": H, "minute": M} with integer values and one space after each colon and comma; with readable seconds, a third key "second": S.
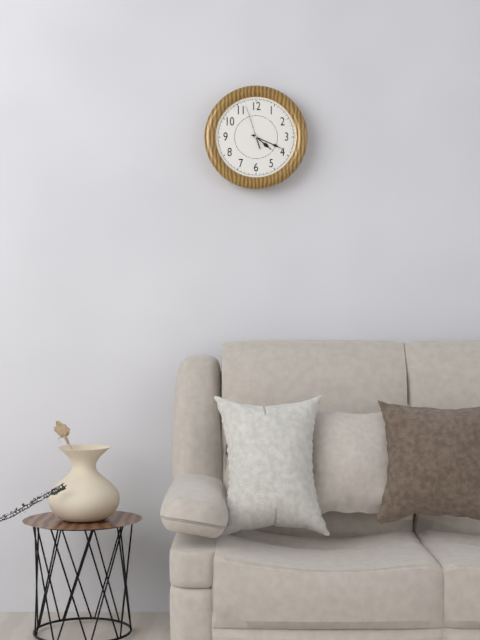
{"hour": 4, "minute": 19}
